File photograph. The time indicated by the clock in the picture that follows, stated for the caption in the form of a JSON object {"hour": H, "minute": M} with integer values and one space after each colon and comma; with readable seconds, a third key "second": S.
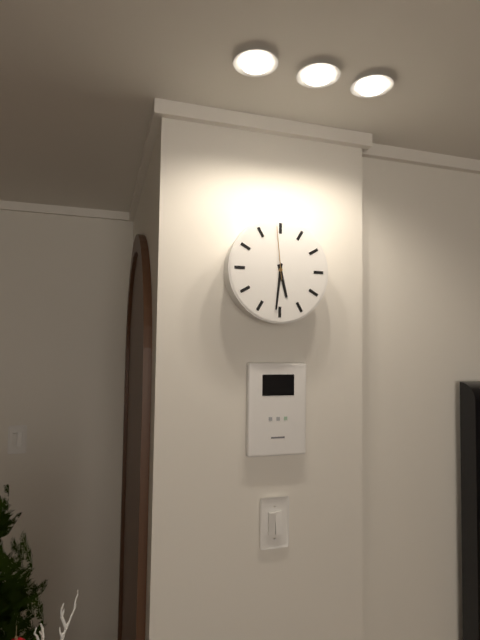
{"hour": 5, "minute": 31, "second": 59}
